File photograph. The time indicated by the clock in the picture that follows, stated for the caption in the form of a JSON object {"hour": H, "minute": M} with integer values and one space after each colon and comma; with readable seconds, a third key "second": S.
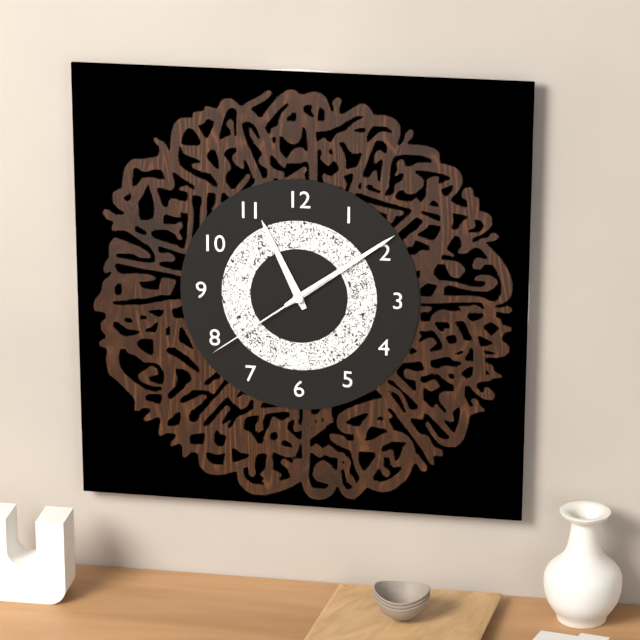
{"hour": 11, "minute": 9, "second": 39}
